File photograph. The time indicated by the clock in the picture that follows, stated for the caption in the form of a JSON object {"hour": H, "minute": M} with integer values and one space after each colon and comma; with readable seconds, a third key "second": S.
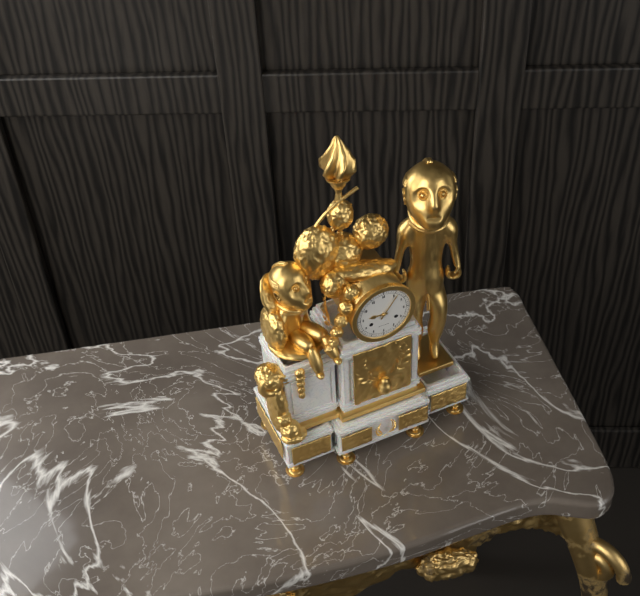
{"hour": 9, "minute": 6}
